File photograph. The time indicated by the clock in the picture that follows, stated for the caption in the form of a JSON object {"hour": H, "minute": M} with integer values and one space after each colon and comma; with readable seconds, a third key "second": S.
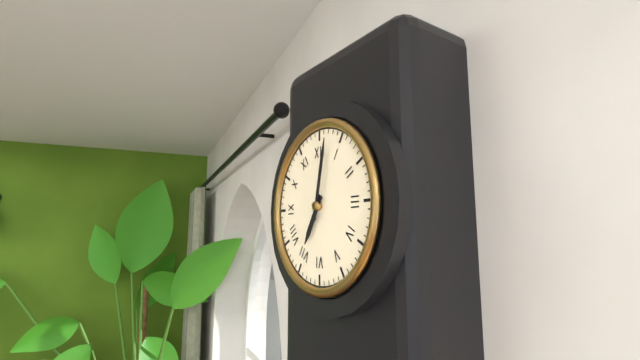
{"hour": 7, "minute": 2}
